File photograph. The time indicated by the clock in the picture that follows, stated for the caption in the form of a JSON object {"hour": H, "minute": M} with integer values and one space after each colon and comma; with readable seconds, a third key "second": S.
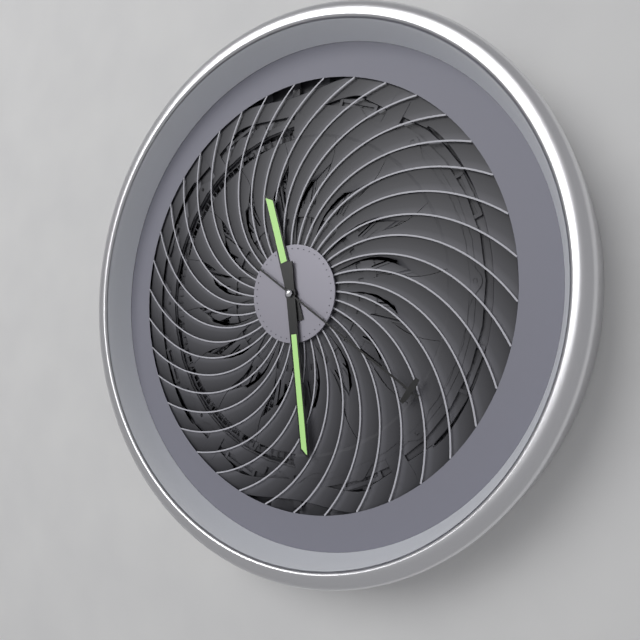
{"hour": 11, "minute": 29, "second": 21}
